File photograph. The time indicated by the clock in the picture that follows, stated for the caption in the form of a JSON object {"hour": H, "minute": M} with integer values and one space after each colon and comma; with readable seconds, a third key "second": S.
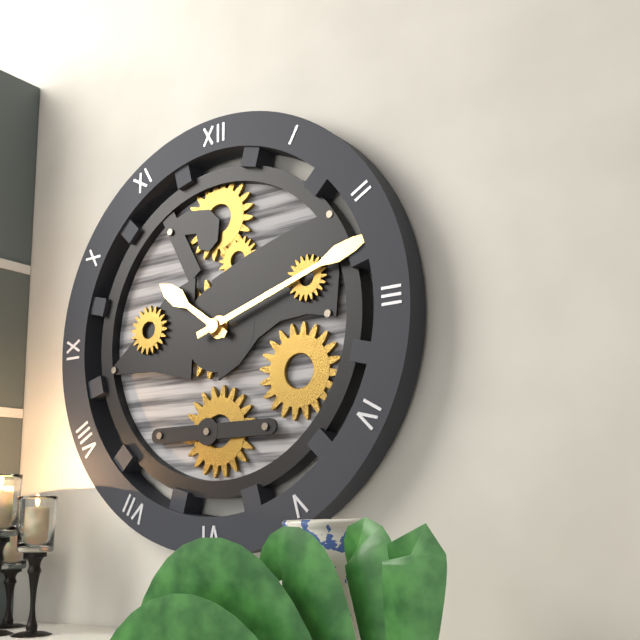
{"hour": 10, "minute": 12}
